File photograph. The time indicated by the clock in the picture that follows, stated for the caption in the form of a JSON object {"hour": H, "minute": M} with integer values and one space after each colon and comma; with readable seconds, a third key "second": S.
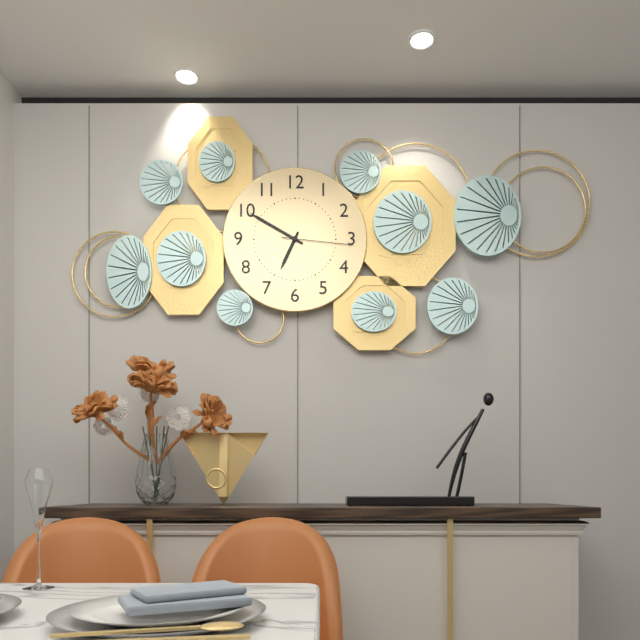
{"hour": 6, "minute": 50, "second": 16}
